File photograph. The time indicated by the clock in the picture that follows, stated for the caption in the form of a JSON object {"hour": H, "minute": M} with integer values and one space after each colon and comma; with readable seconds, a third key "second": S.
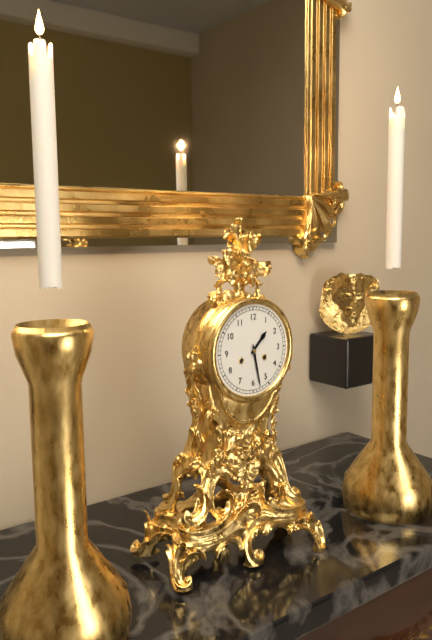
{"hour": 1, "minute": 28}
